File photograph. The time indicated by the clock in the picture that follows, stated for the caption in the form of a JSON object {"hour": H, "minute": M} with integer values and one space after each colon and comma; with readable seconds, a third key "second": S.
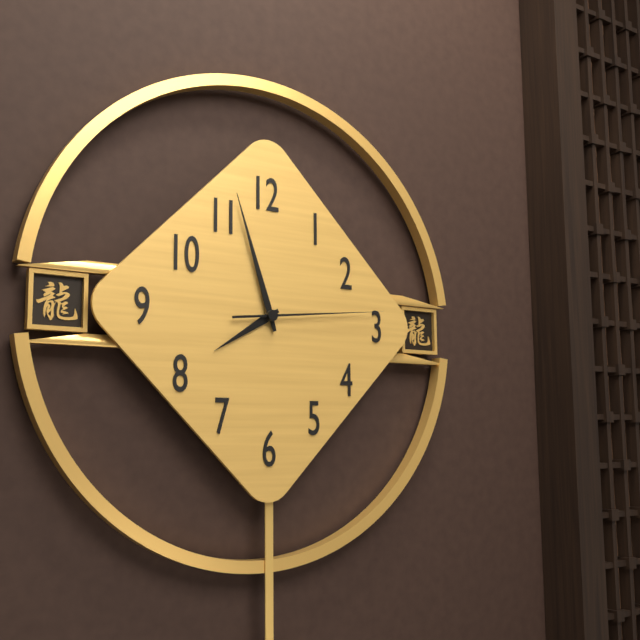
{"hour": 7, "minute": 57, "second": 14}
